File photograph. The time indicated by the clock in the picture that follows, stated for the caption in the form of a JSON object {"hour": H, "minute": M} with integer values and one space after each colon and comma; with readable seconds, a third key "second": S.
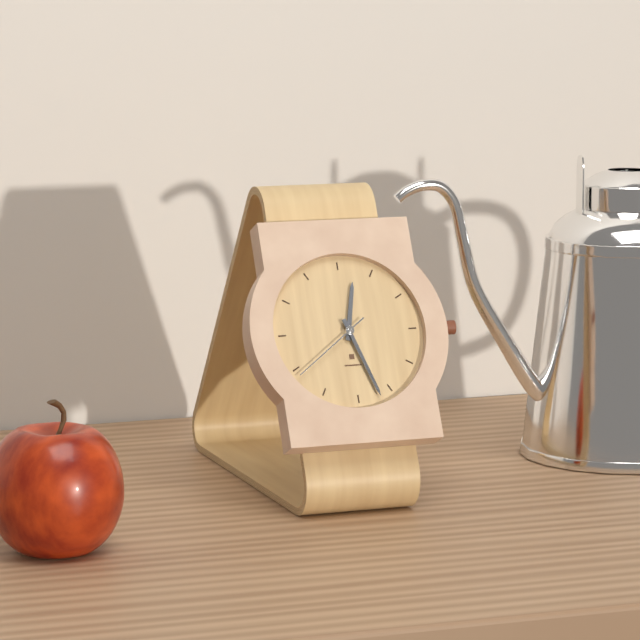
{"hour": 12, "minute": 27, "second": 39}
